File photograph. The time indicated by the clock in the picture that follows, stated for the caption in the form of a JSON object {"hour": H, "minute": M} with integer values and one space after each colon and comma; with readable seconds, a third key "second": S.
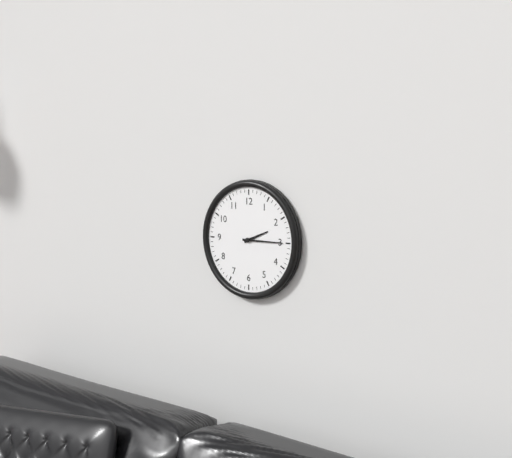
{"hour": 2, "minute": 15}
